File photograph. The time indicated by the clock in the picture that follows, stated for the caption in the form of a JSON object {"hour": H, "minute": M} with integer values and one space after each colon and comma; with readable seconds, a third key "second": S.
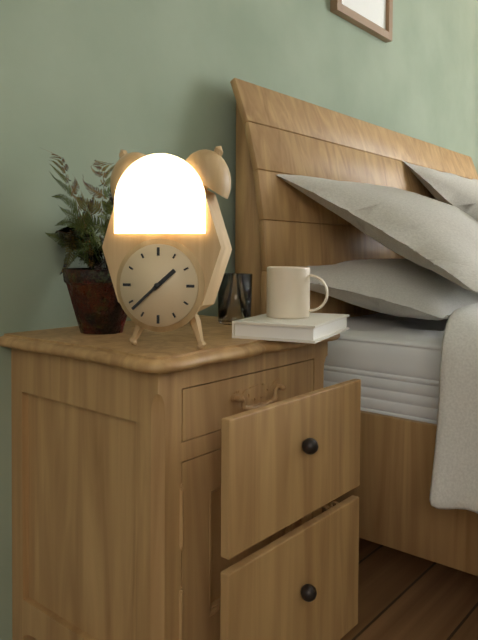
{"hour": 1, "minute": 38}
